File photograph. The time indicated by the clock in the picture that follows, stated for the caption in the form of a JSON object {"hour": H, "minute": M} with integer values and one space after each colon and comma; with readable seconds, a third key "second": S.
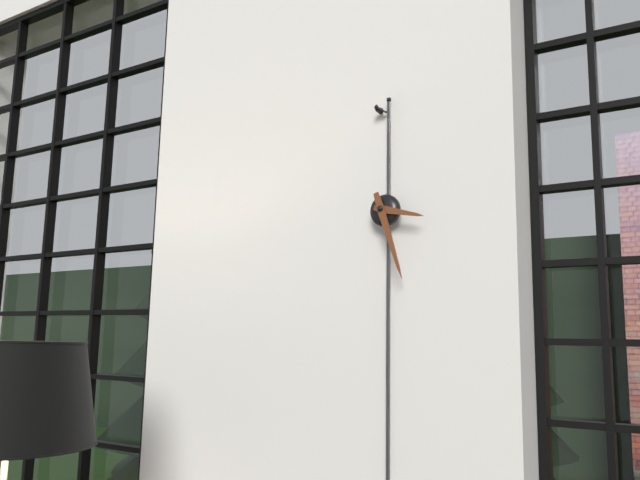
{"hour": 3, "minute": 27}
